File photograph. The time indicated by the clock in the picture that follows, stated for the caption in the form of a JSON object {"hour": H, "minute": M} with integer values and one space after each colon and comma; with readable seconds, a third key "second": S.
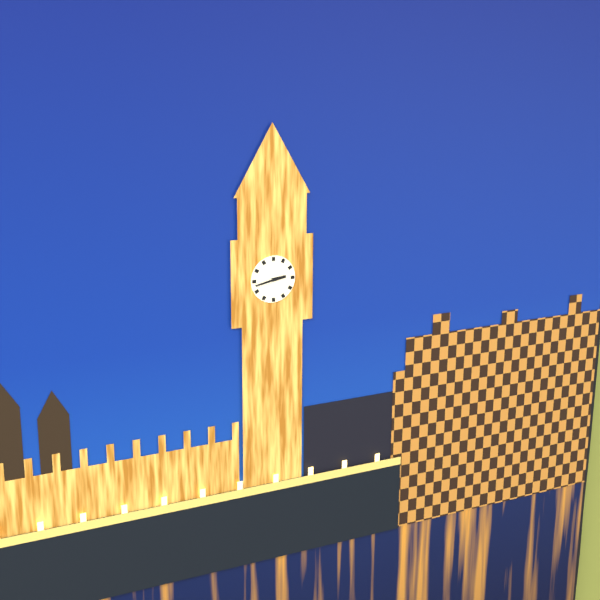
{"hour": 2, "minute": 43}
